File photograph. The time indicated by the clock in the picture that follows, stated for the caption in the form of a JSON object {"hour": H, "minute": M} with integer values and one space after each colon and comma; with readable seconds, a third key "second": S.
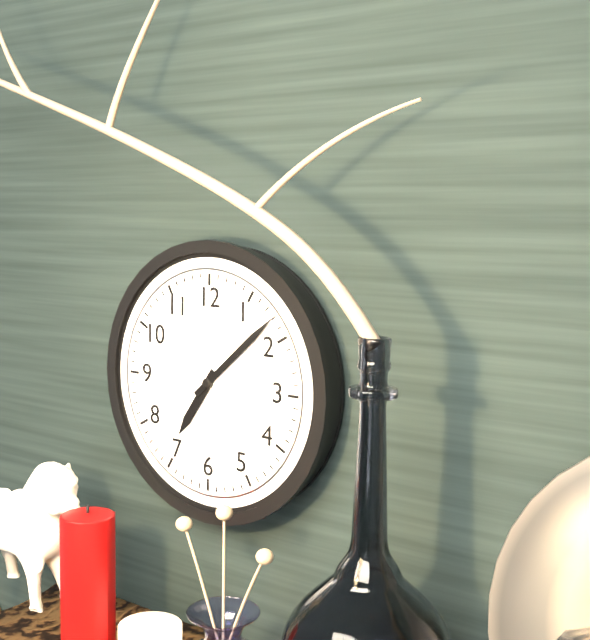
{"hour": 7, "minute": 8}
